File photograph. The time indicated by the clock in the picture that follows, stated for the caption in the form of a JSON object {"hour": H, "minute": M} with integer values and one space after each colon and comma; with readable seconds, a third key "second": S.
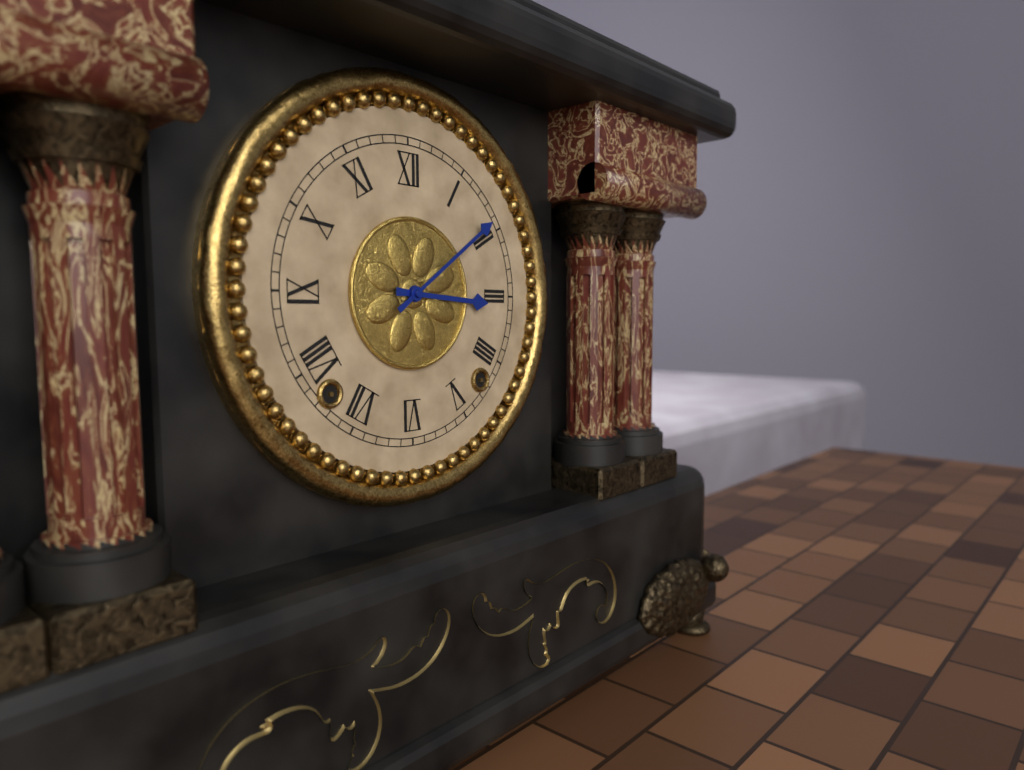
{"hour": 3, "minute": 9}
